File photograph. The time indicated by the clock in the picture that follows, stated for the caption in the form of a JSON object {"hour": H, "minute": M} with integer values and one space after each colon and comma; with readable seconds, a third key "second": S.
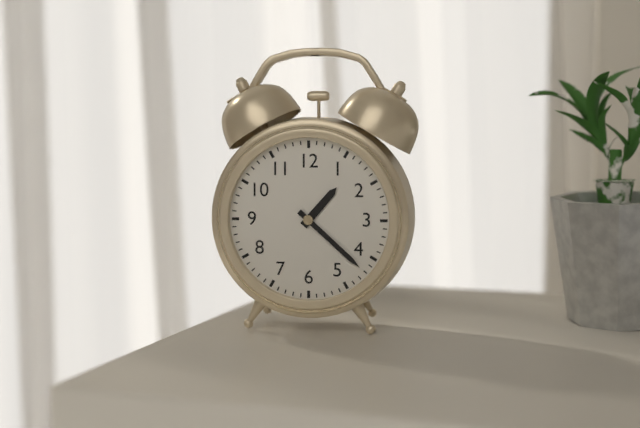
{"hour": 1, "minute": 22}
